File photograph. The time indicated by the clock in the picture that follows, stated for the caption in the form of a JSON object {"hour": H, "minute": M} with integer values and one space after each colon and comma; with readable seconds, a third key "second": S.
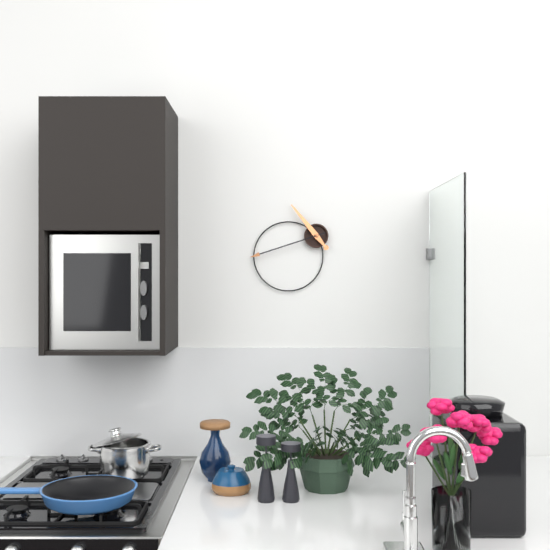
{"hour": 10, "minute": 42}
